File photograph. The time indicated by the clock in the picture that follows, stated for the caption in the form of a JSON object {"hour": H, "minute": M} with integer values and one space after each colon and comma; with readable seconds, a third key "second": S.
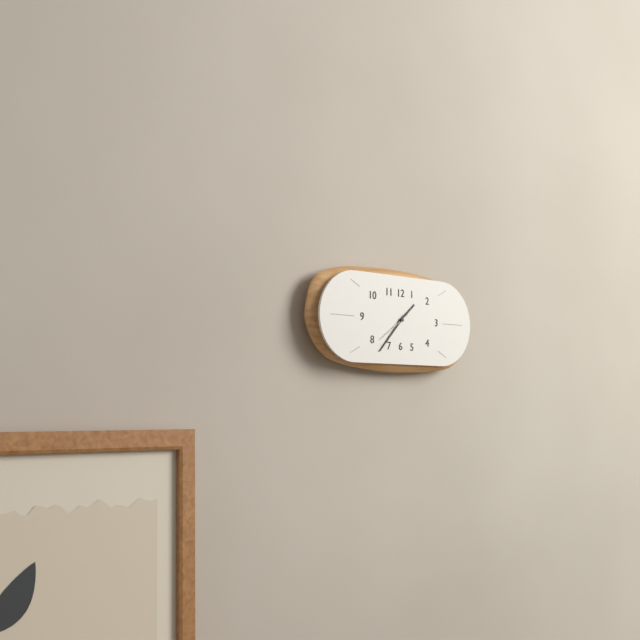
{"hour": 1, "minute": 37}
